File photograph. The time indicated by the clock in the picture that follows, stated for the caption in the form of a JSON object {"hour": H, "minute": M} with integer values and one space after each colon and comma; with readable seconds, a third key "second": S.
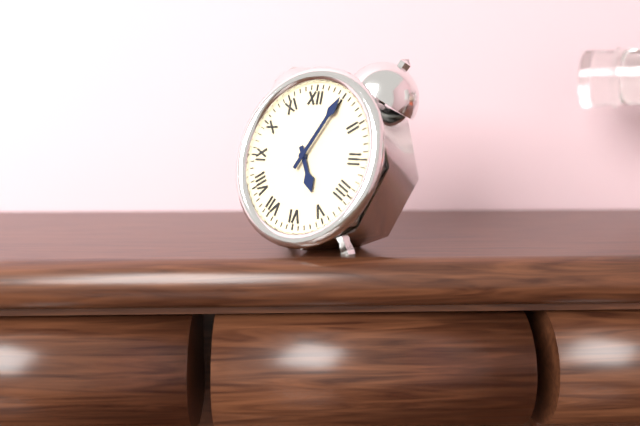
{"hour": 5, "minute": 5}
